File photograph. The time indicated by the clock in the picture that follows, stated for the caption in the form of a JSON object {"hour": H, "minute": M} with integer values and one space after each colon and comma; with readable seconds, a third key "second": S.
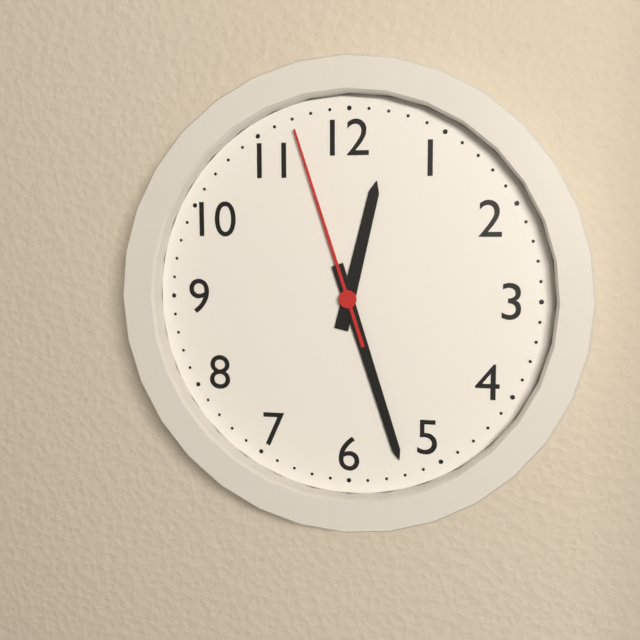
{"hour": 12, "minute": 27, "second": 57}
